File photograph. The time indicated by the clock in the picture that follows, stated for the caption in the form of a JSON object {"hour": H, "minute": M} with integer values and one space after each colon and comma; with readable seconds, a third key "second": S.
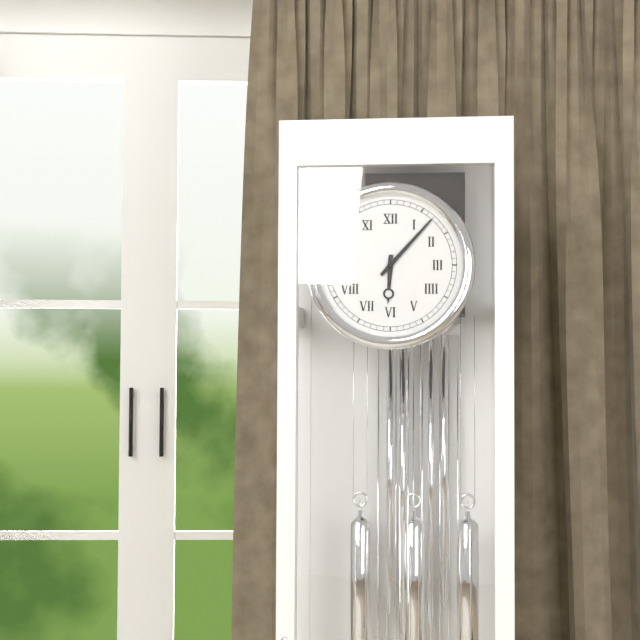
{"hour": 6, "minute": 7}
